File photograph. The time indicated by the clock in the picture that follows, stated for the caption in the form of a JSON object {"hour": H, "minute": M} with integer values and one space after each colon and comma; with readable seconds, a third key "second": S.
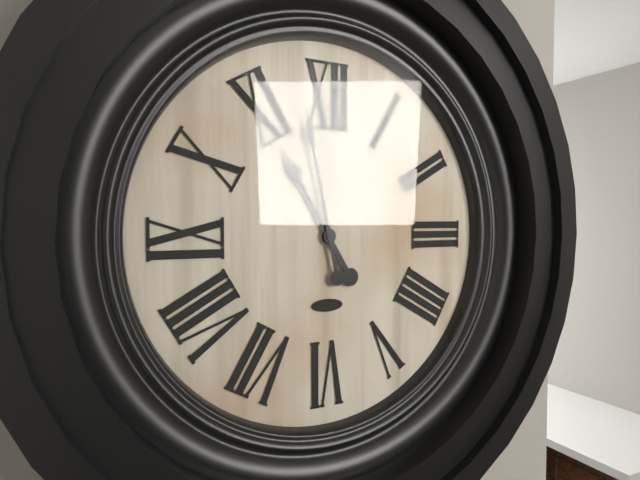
{"hour": 10, "minute": 58}
